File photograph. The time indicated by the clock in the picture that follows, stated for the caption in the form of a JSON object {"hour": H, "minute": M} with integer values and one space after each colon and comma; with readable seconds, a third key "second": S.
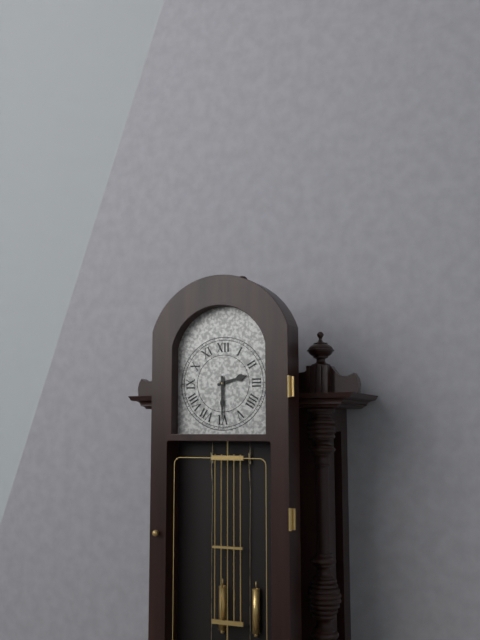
{"hour": 2, "minute": 30}
